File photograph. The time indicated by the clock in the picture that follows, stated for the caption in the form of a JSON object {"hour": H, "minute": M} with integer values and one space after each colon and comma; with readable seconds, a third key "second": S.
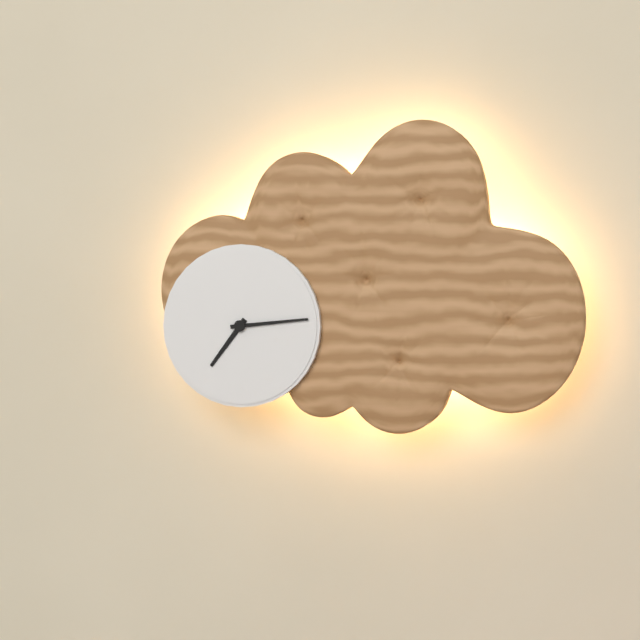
{"hour": 7, "minute": 14}
